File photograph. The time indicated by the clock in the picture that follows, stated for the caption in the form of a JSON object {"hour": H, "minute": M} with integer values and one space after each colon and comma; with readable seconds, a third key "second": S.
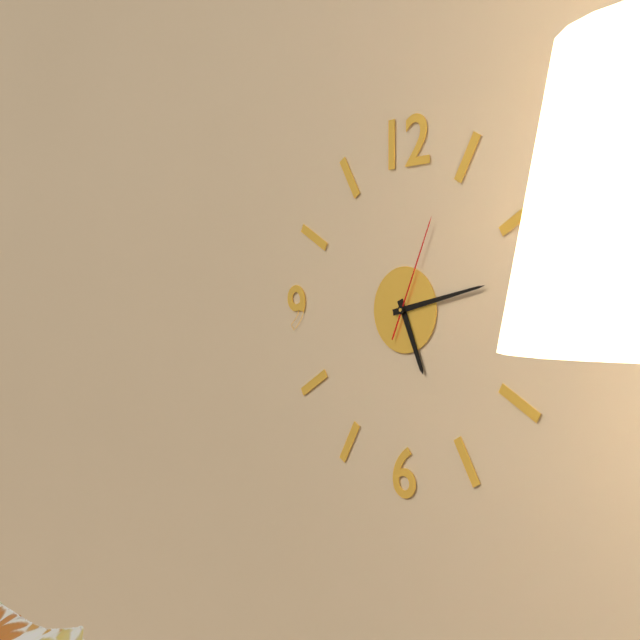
{"hour": 5, "minute": 13, "second": 4}
